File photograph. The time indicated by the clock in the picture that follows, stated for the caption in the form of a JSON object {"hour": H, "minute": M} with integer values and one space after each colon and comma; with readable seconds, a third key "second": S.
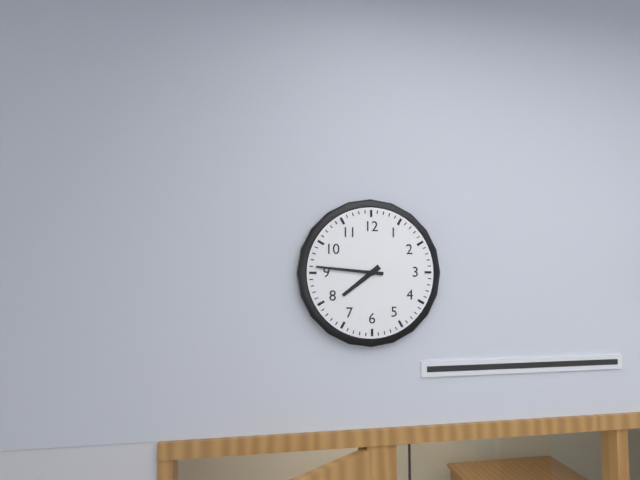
{"hour": 7, "minute": 46}
